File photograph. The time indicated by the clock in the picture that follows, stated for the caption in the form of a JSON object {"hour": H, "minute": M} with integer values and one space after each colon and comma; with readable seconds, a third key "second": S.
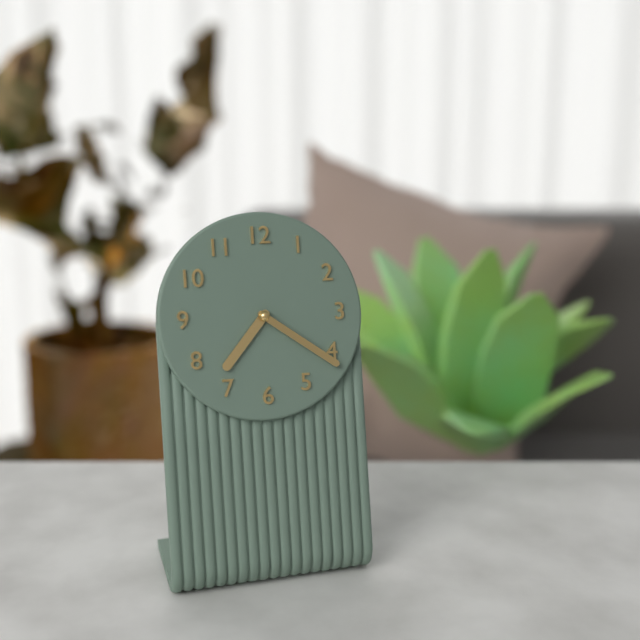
{"hour": 7, "minute": 21}
